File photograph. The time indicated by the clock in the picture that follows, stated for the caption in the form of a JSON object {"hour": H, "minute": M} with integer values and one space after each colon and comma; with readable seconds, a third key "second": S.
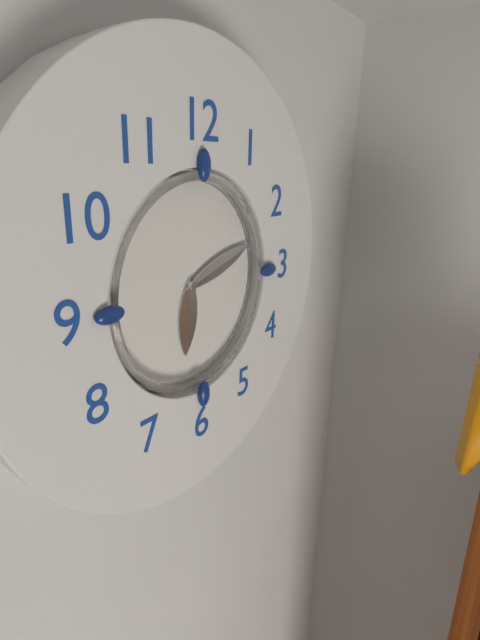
{"hour": 6, "minute": 12}
